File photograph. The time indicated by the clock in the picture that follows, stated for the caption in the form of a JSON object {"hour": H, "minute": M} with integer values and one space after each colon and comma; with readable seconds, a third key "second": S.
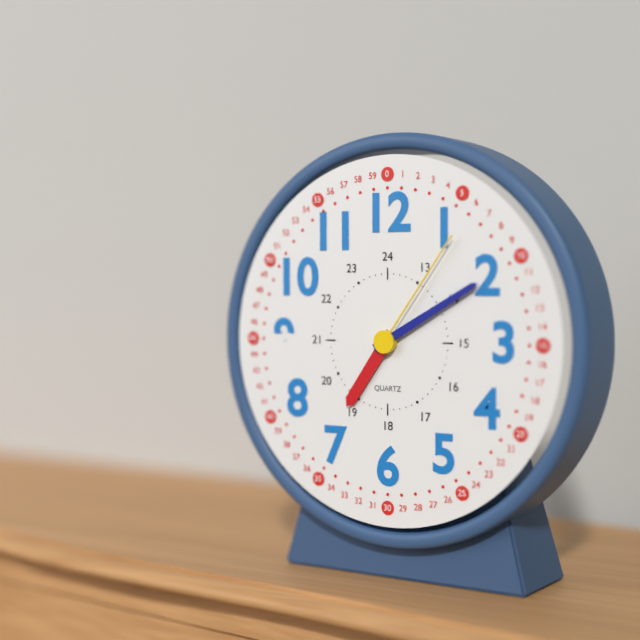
{"hour": 7, "minute": 10, "second": 6}
